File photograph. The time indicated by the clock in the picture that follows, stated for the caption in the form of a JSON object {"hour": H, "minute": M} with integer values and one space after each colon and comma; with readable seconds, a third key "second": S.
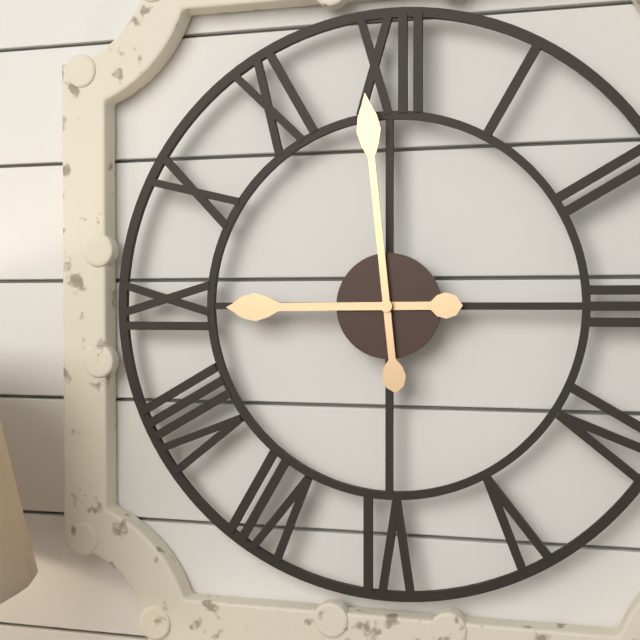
{"hour": 8, "minute": 59}
